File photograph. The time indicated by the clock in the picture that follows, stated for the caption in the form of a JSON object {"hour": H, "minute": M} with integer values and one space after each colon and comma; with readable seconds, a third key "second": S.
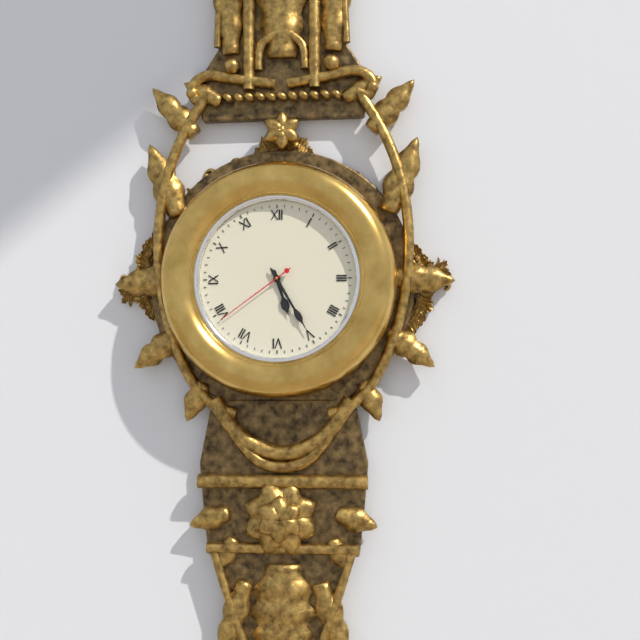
{"hour": 5, "minute": 25, "second": 39}
